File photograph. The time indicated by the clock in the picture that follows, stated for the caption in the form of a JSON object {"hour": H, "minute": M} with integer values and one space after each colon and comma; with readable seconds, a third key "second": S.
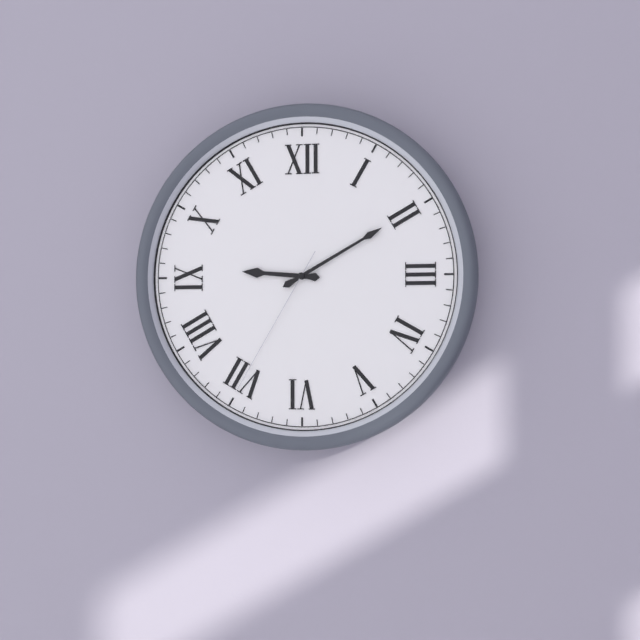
{"hour": 9, "minute": 10, "second": 35}
